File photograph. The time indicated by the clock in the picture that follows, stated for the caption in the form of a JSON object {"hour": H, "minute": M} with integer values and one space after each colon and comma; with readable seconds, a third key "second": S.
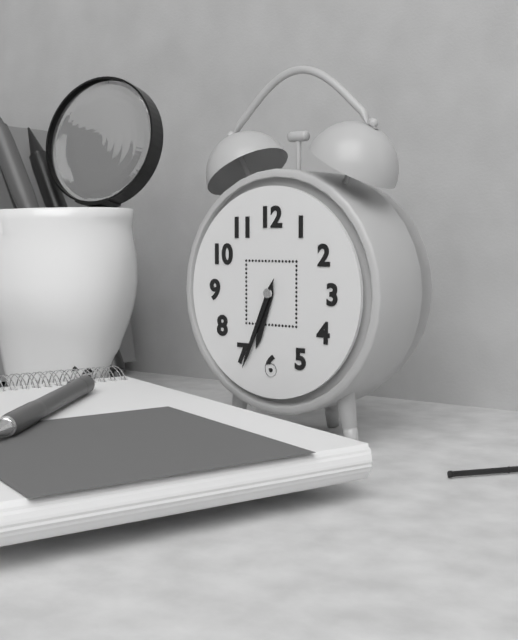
{"hour": 6, "minute": 34}
